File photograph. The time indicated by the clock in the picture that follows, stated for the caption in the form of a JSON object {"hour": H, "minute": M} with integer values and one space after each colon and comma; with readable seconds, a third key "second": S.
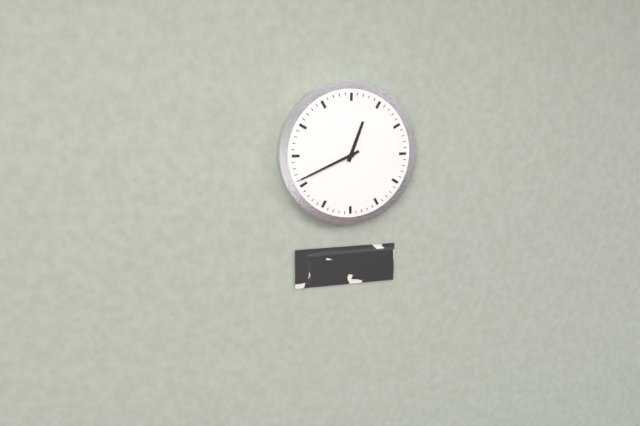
{"hour": 12, "minute": 41}
